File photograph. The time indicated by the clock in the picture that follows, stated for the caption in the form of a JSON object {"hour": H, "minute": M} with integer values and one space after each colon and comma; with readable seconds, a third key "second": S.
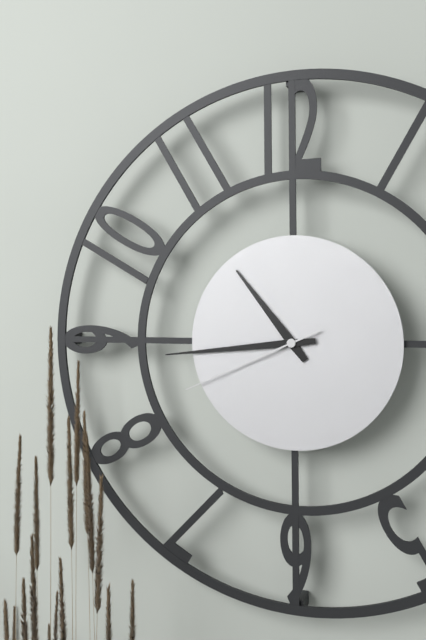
{"hour": 10, "minute": 44, "second": 41}
